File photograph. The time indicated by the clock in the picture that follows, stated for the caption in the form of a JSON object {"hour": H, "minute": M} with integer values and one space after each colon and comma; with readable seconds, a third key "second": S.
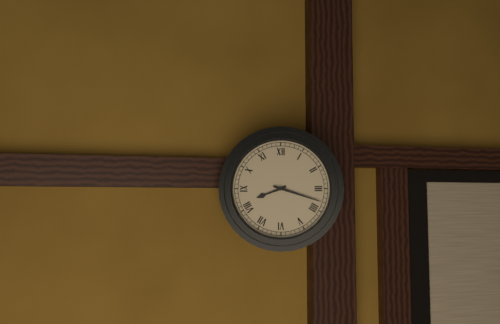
{"hour": 8, "minute": 18}
